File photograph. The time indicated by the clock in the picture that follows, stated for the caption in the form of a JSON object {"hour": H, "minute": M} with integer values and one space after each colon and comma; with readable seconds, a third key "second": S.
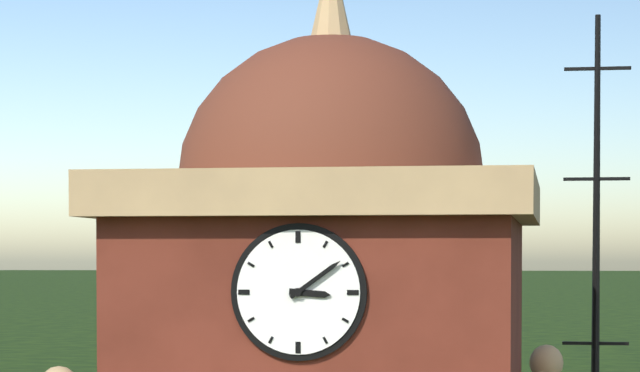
{"hour": 3, "minute": 9}
